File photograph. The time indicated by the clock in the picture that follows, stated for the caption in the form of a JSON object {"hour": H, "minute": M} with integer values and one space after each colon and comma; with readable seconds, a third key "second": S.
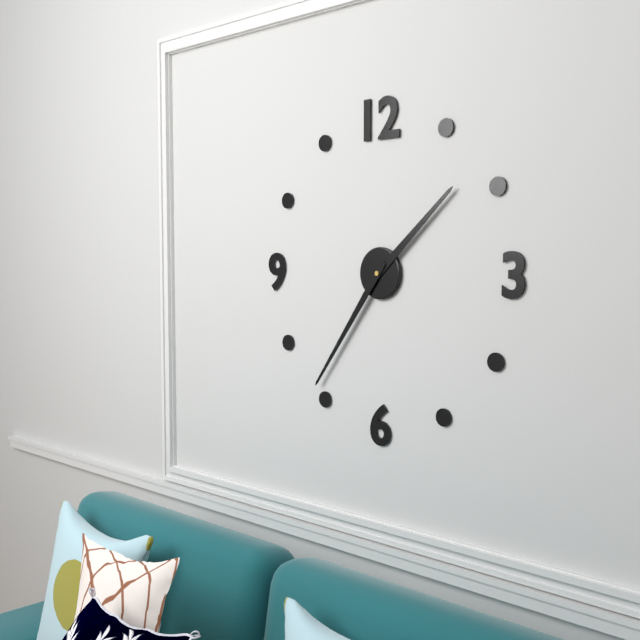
{"hour": 1, "minute": 36}
